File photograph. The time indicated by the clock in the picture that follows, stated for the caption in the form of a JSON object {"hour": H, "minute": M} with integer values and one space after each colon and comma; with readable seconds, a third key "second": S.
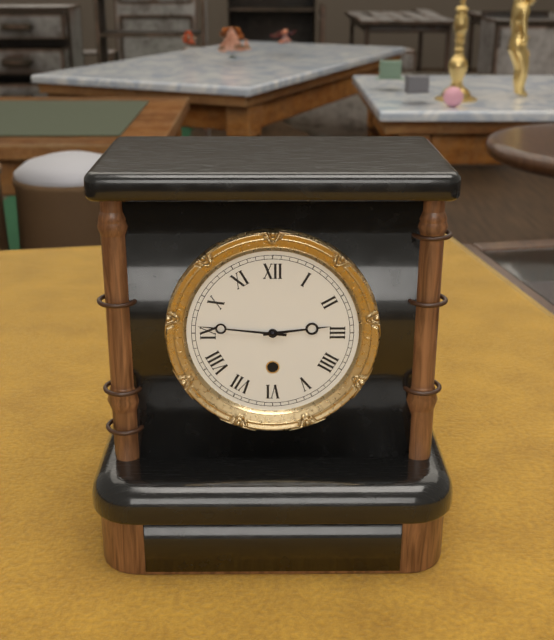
{"hour": 2, "minute": 46}
